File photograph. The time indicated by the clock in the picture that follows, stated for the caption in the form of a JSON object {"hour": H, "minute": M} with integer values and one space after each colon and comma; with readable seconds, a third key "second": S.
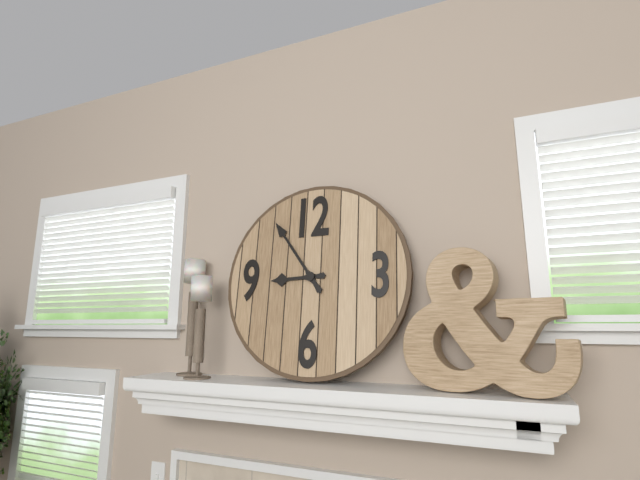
{"hour": 8, "minute": 54}
